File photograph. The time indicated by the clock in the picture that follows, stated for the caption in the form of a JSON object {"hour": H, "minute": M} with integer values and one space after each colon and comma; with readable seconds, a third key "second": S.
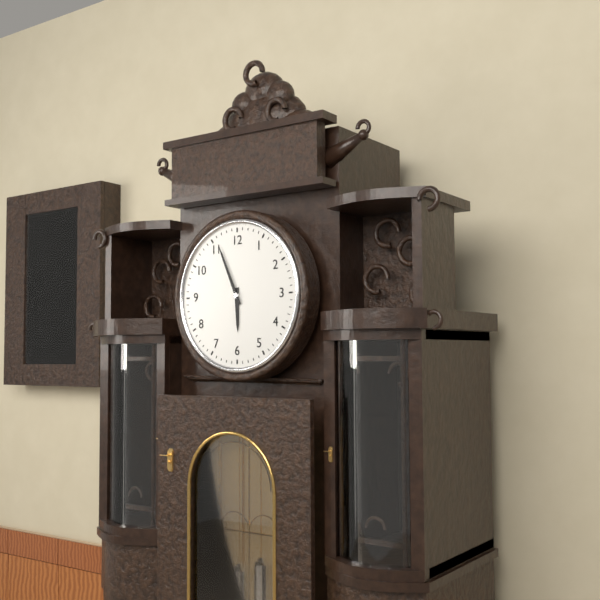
{"hour": 5, "minute": 56}
